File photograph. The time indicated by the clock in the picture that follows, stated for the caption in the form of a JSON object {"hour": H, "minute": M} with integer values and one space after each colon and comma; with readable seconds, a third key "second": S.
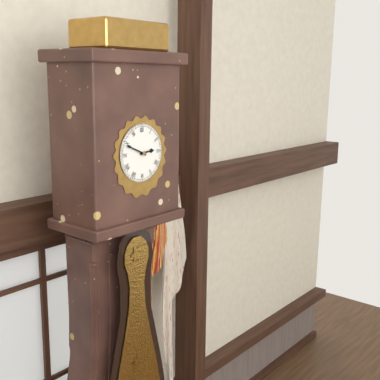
{"hour": 2, "minute": 49}
